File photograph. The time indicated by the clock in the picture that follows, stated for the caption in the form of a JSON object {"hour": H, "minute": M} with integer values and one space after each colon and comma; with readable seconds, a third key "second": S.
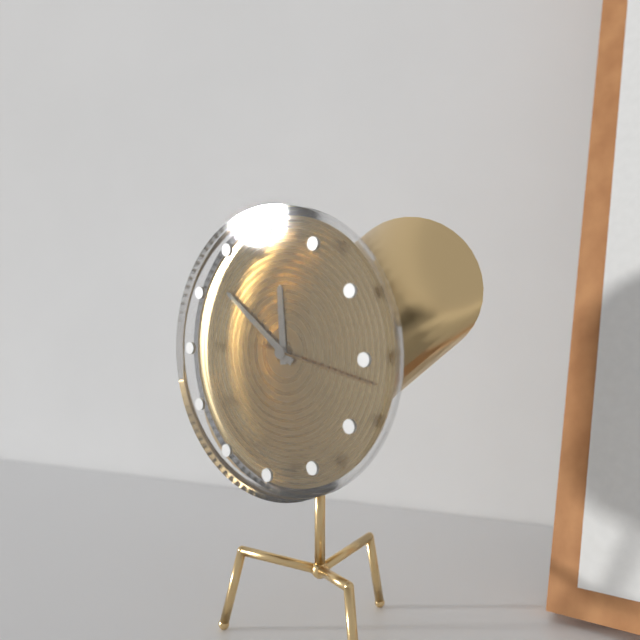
{"hour": 11, "minute": 51, "second": 17}
